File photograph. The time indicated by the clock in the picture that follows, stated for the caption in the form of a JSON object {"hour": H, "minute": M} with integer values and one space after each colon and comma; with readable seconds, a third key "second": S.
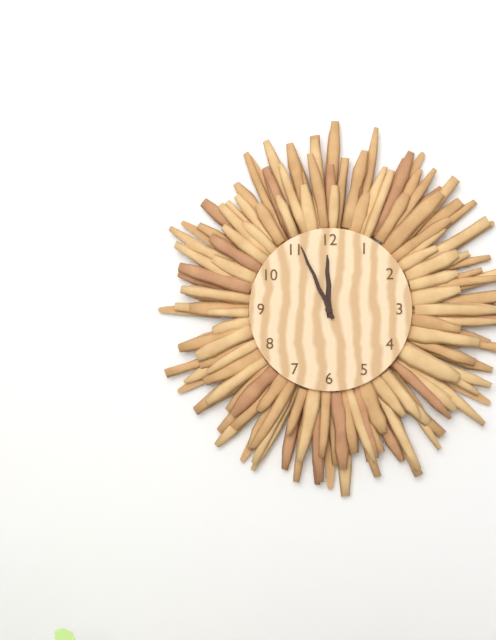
{"hour": 11, "minute": 56}
